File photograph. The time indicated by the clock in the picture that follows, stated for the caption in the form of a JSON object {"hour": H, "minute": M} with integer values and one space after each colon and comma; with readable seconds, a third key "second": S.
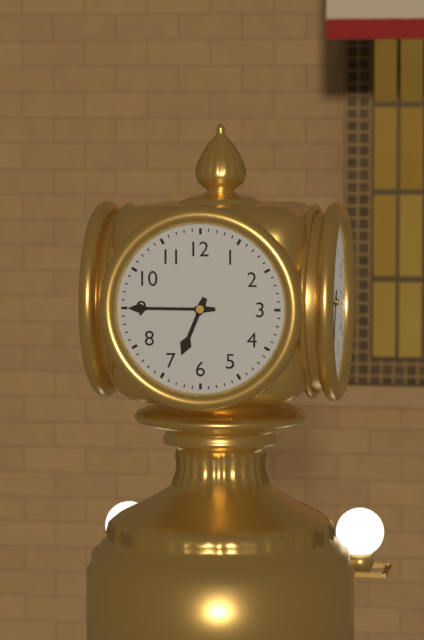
{"hour": 6, "minute": 45}
